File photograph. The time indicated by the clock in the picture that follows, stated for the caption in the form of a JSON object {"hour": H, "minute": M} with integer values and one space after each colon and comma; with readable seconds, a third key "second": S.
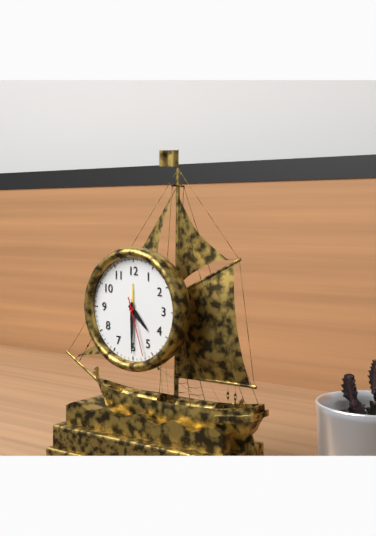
{"hour": 4, "minute": 30, "second": 27}
